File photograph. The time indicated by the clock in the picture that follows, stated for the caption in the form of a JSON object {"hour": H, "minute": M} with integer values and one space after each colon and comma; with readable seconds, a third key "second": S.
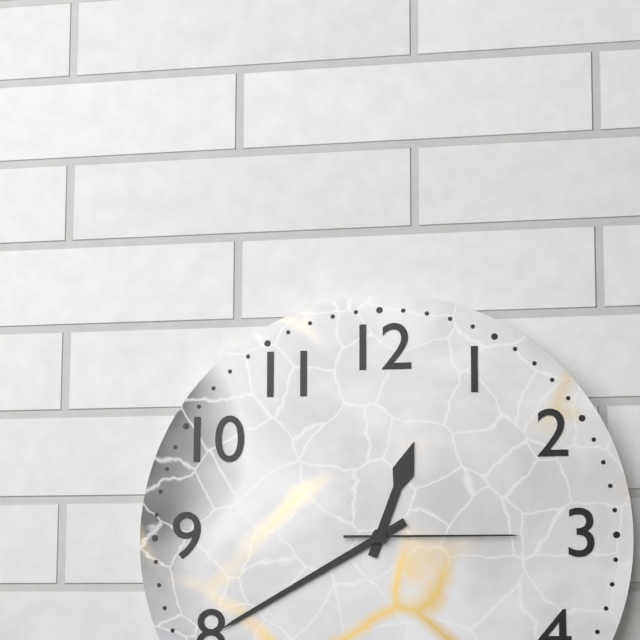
{"hour": 12, "minute": 40, "second": 15}
